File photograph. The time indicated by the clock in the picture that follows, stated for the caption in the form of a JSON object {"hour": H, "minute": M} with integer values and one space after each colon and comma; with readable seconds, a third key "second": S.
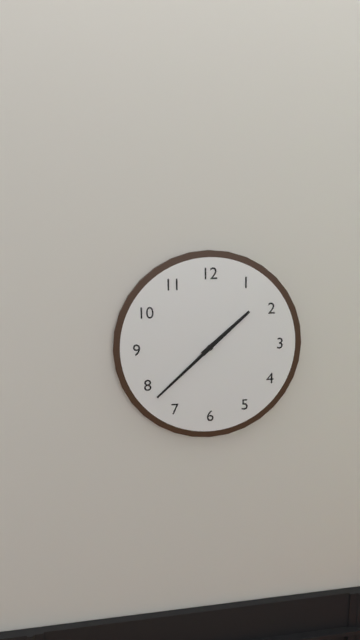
{"hour": 1, "minute": 38}
